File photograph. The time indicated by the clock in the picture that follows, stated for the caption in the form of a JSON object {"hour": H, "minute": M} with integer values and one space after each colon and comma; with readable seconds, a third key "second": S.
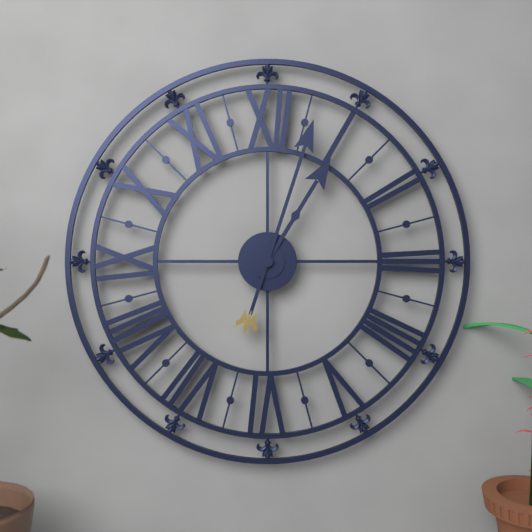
{"hour": 1, "minute": 3}
